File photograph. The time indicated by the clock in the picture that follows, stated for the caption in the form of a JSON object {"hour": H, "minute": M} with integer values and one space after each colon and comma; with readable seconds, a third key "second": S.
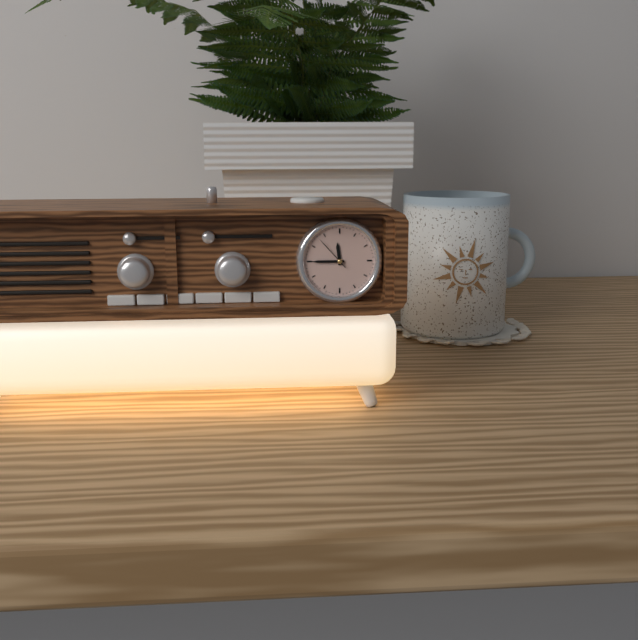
{"hour": 11, "minute": 45}
